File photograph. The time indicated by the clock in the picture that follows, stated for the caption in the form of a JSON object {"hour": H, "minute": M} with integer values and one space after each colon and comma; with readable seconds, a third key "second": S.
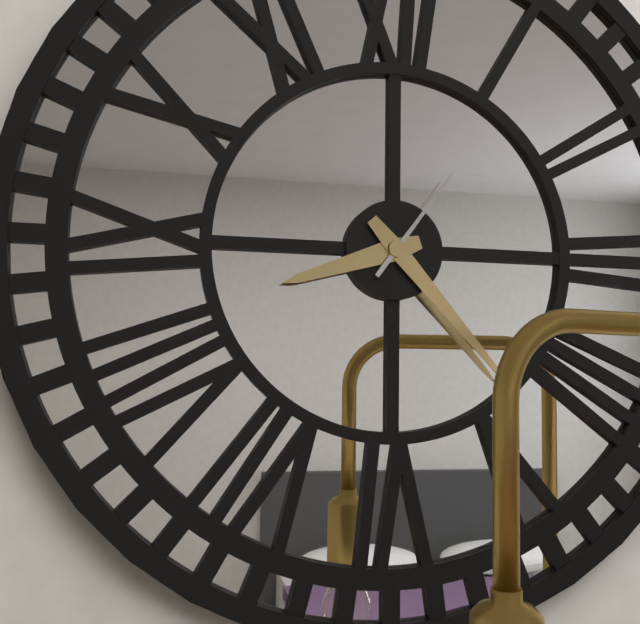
{"hour": 8, "minute": 23, "second": 6}
